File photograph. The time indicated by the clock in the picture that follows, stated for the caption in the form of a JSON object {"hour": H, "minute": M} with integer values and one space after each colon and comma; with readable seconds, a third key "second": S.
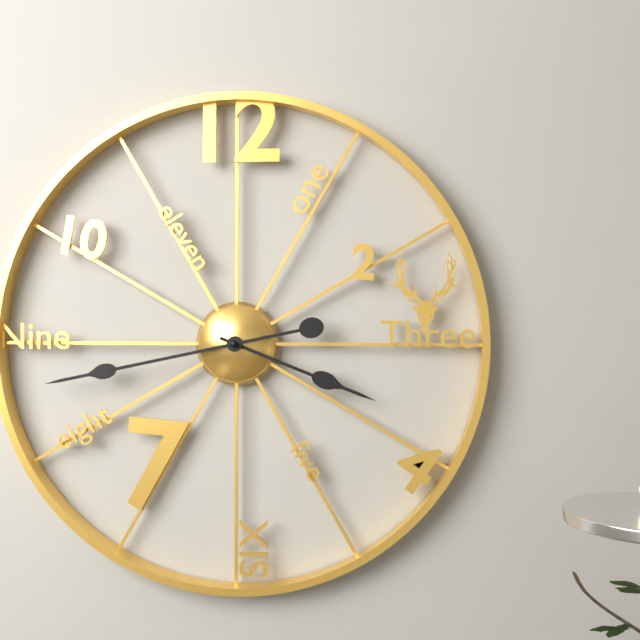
{"hour": 3, "minute": 43}
